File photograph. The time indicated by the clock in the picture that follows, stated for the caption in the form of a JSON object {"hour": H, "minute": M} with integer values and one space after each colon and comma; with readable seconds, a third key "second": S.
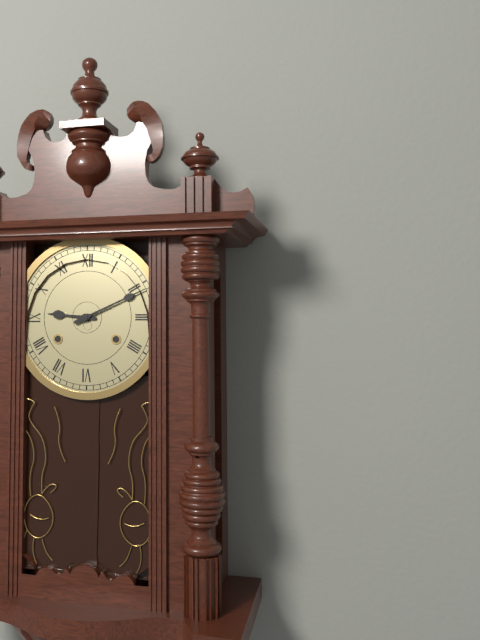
{"hour": 9, "minute": 11}
